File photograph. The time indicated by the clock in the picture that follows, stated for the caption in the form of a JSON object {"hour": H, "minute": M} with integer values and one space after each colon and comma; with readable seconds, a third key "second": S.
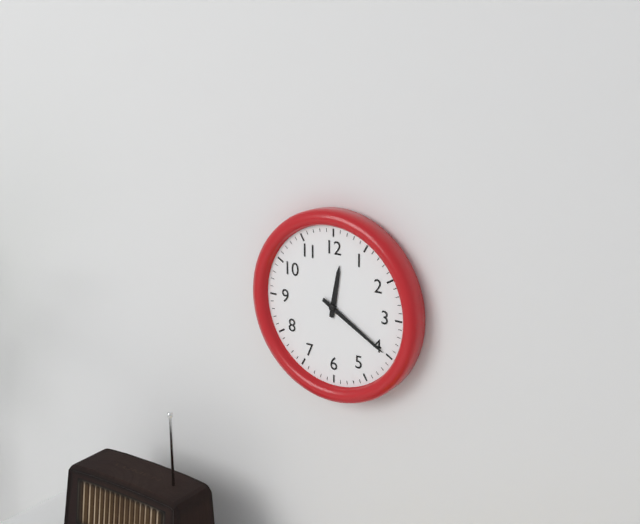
{"hour": 12, "minute": 20}
